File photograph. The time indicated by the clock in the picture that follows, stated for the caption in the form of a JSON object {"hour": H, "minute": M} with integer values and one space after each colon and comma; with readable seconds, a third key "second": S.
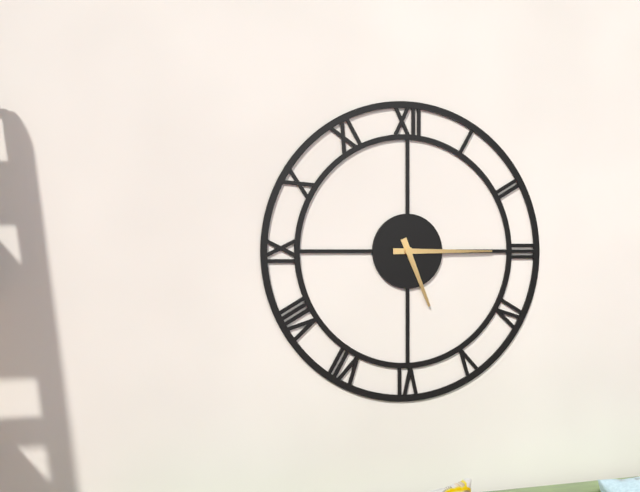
{"hour": 5, "minute": 15}
